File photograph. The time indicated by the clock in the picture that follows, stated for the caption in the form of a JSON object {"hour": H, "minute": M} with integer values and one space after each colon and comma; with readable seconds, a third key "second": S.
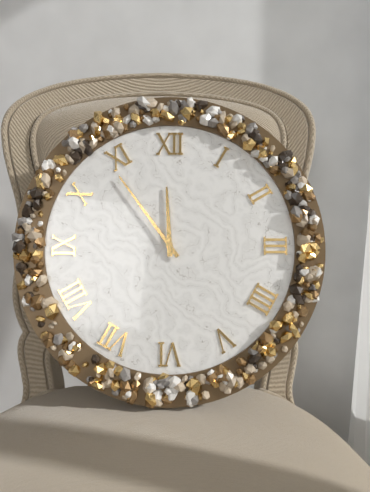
{"hour": 11, "minute": 54}
